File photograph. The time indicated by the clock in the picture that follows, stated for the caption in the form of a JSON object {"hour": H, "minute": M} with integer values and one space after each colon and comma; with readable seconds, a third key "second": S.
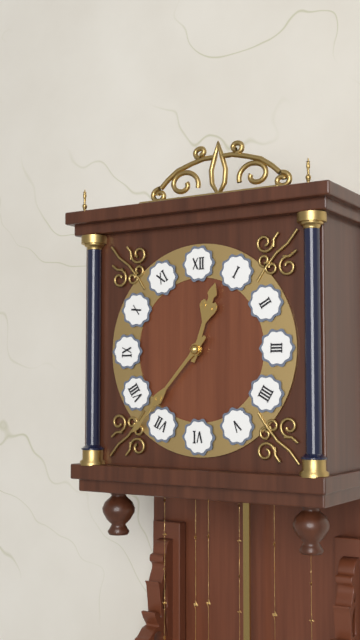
{"hour": 12, "minute": 37}
